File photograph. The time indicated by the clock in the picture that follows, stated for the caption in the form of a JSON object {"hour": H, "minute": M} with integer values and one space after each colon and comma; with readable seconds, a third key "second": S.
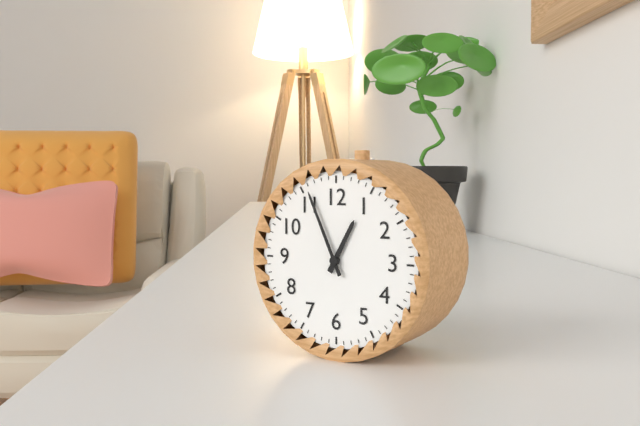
{"hour": 12, "minute": 56}
